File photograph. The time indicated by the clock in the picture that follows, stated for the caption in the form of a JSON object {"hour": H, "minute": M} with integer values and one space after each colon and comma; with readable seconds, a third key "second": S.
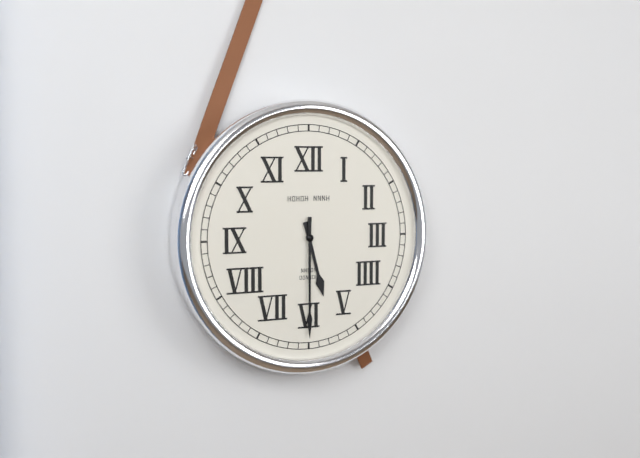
{"hour": 5, "minute": 30}
